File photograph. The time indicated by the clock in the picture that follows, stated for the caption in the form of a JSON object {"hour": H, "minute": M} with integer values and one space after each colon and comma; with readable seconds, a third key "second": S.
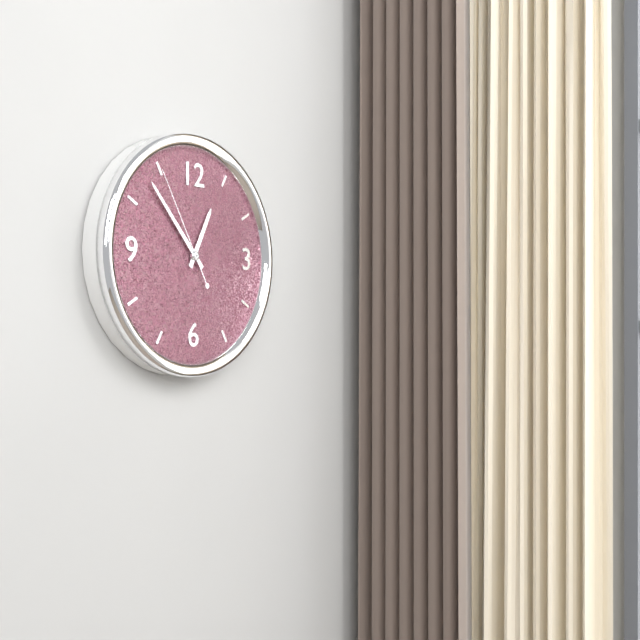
{"hour": 12, "minute": 53, "second": 55}
